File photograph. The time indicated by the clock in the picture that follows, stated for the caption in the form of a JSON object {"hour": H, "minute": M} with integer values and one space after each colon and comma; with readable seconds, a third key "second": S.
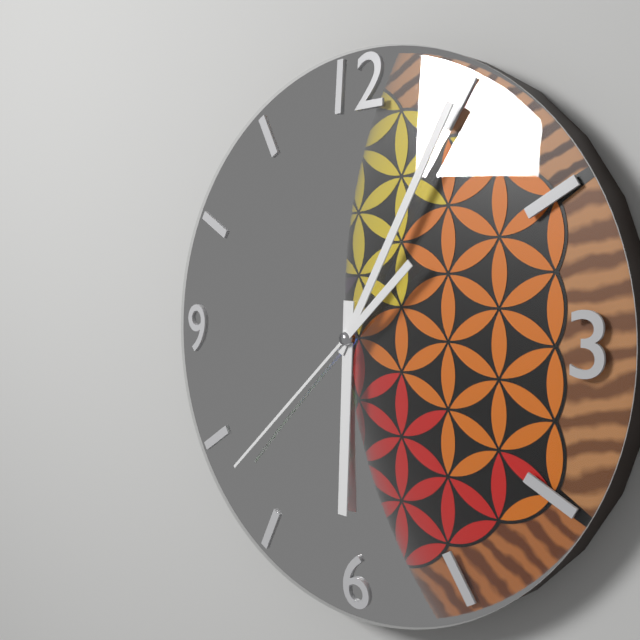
{"hour": 6, "minute": 5, "second": 38}
